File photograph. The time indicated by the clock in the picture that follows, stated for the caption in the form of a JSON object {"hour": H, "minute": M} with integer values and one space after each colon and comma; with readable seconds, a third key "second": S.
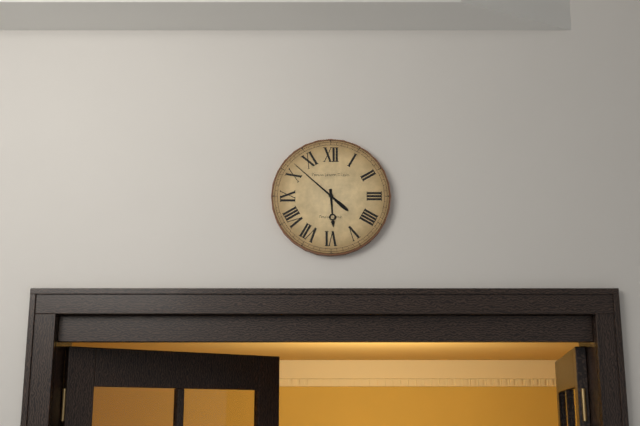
{"hour": 5, "minute": 52}
